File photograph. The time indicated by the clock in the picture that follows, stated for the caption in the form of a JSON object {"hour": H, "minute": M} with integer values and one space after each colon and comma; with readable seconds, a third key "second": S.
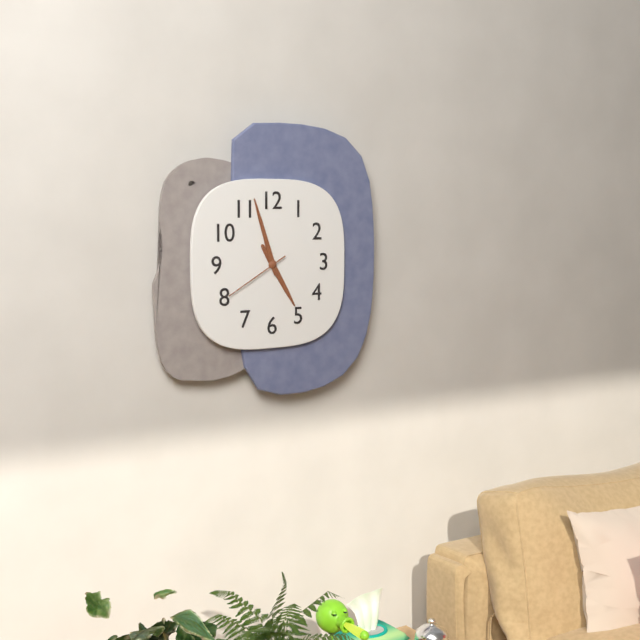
{"hour": 4, "minute": 57, "second": 40}
